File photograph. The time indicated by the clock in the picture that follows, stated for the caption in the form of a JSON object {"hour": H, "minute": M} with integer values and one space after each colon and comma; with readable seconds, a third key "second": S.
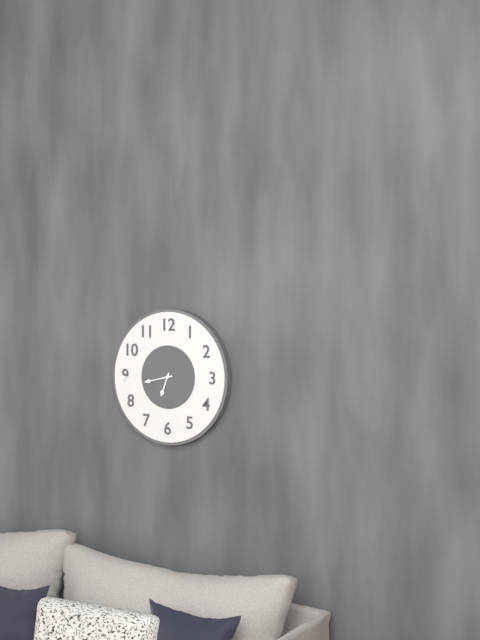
{"hour": 6, "minute": 43}
